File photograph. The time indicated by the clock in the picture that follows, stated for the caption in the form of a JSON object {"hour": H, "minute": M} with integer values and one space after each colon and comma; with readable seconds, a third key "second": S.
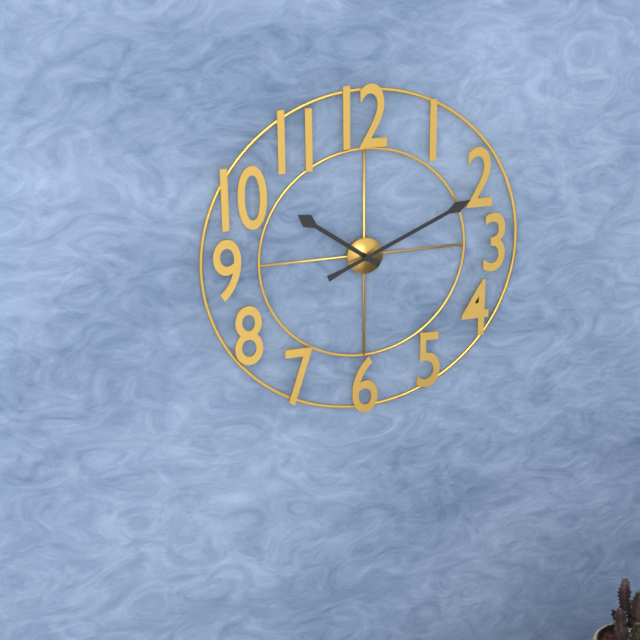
{"hour": 10, "minute": 11}
